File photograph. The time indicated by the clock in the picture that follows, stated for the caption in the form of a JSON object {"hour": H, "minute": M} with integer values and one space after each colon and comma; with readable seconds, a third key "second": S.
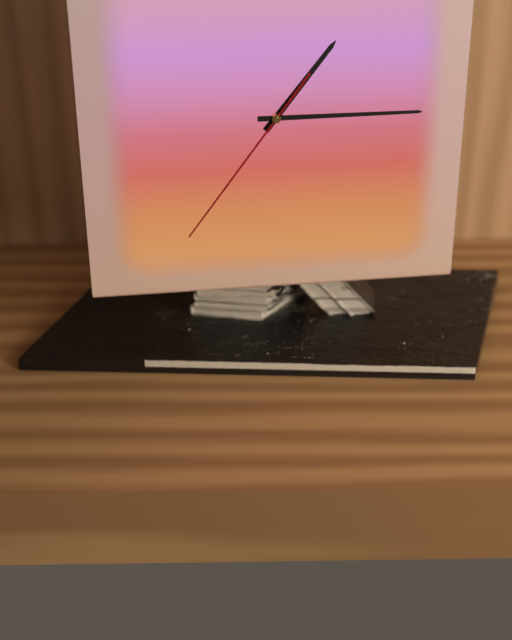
{"hour": 1, "minute": 15, "second": 36}
